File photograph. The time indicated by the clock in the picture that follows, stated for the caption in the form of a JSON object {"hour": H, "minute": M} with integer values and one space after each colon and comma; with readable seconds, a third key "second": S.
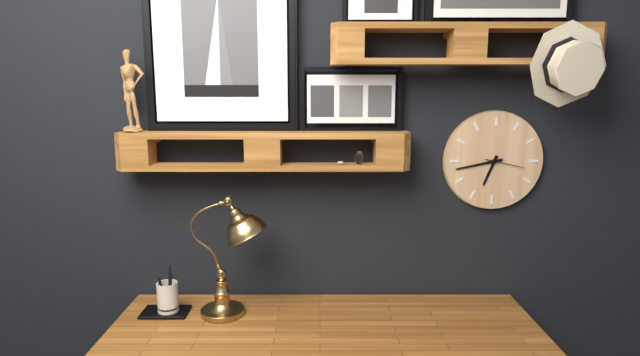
{"hour": 6, "minute": 43}
